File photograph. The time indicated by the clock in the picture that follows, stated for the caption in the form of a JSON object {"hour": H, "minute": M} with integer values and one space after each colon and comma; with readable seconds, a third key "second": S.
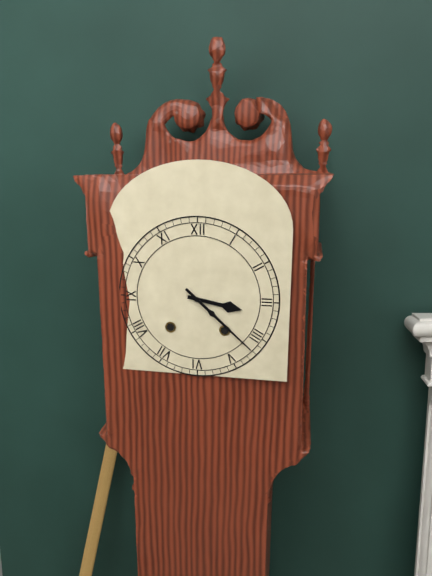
{"hour": 3, "minute": 22}
